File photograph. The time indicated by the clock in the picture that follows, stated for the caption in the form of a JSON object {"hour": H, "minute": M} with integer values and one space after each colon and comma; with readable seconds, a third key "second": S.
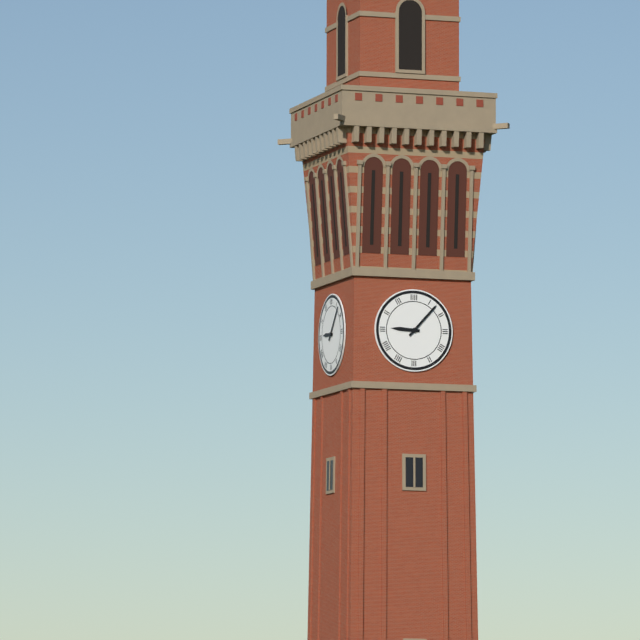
{"hour": 9, "minute": 7}
